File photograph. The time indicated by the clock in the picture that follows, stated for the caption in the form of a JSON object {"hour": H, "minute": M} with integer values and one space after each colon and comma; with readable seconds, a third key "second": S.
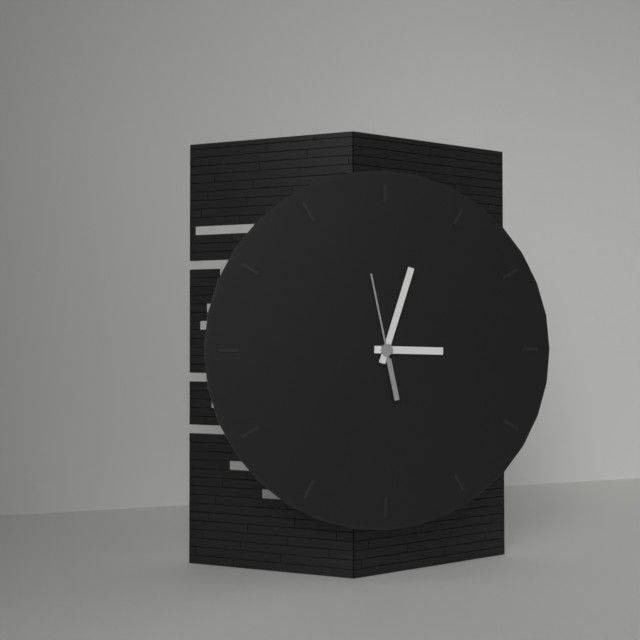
{"hour": 3, "minute": 3, "second": 58}
